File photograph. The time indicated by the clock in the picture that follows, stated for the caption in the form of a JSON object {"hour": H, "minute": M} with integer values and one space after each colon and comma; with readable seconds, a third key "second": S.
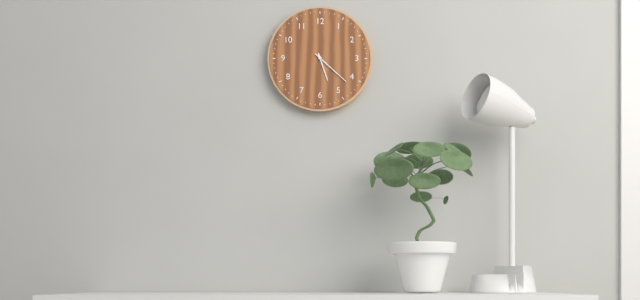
{"hour": 5, "minute": 22}
